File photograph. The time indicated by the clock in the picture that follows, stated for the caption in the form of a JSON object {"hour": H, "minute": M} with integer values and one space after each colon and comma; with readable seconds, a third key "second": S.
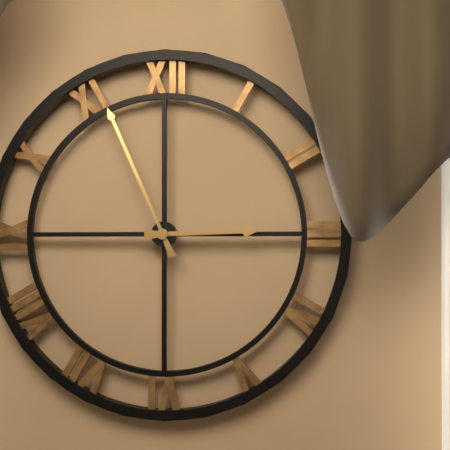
{"hour": 2, "minute": 56}
